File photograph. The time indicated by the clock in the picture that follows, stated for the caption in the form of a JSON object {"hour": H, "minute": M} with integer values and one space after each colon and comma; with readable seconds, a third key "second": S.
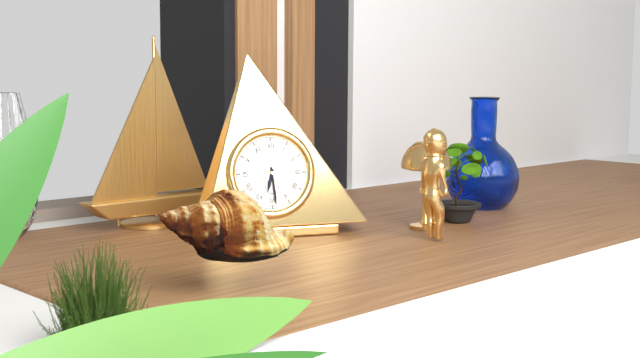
{"hour": 6, "minute": 29}
